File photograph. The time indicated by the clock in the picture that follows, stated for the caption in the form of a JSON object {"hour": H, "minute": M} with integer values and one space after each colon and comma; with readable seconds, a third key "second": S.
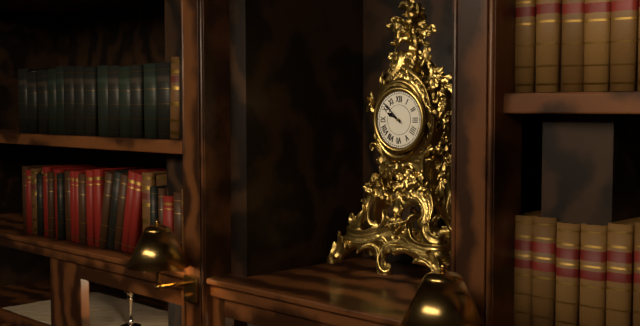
{"hour": 9, "minute": 52}
